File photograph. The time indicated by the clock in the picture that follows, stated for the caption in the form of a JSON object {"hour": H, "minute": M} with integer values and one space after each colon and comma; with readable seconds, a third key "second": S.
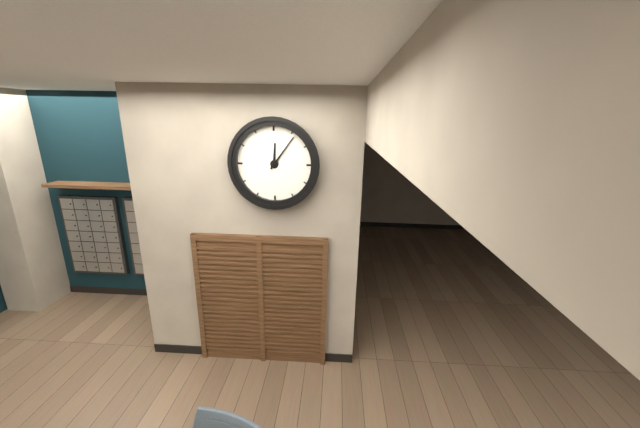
{"hour": 12, "minute": 6}
